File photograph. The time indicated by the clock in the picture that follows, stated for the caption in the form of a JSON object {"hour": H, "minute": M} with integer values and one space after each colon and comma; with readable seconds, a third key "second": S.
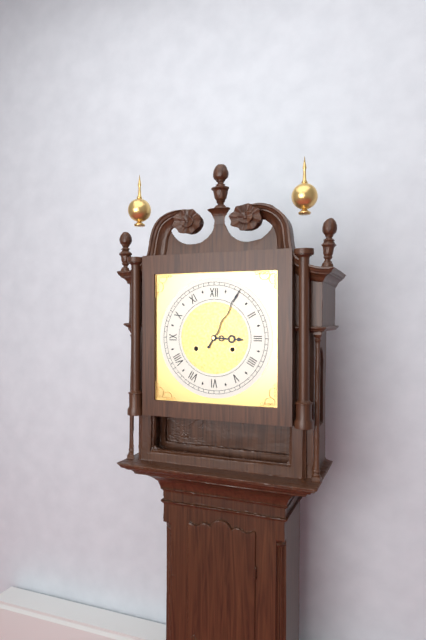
{"hour": 3, "minute": 5}
